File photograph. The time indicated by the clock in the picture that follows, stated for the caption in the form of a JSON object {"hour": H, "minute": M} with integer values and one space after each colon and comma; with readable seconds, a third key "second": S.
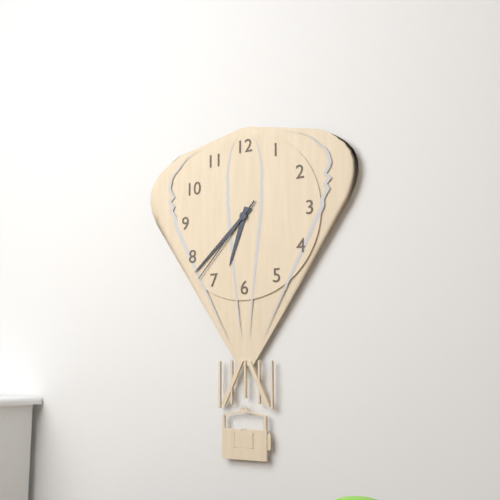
{"hour": 6, "minute": 38, "second": 37}
